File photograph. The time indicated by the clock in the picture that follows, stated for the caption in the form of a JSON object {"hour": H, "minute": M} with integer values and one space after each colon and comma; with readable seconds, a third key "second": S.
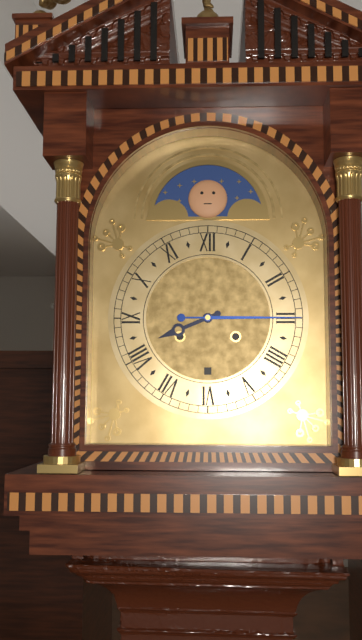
{"hour": 8, "minute": 15}
